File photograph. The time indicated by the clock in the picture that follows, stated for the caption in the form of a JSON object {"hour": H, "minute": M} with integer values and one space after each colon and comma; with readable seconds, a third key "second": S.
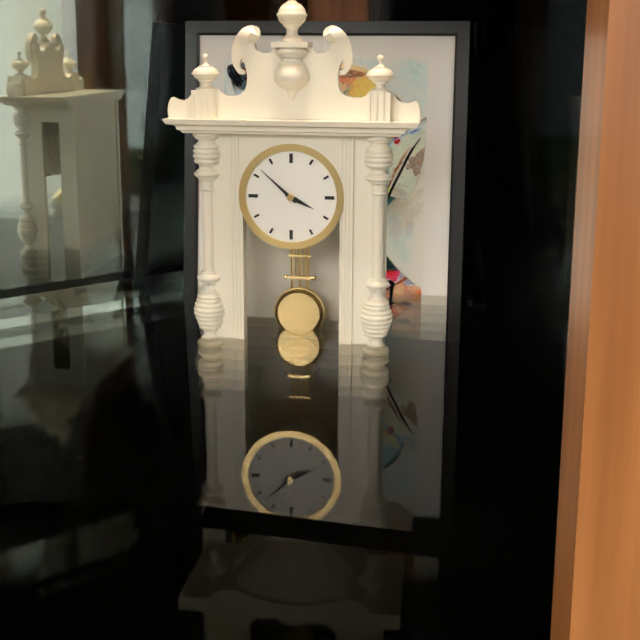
{"hour": 3, "minute": 52}
